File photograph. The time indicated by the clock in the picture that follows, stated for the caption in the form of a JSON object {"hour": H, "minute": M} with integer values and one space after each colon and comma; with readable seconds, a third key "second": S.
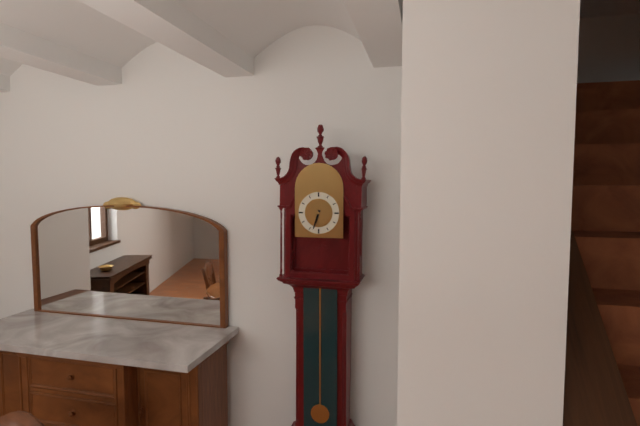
{"hour": 6, "minute": 33}
